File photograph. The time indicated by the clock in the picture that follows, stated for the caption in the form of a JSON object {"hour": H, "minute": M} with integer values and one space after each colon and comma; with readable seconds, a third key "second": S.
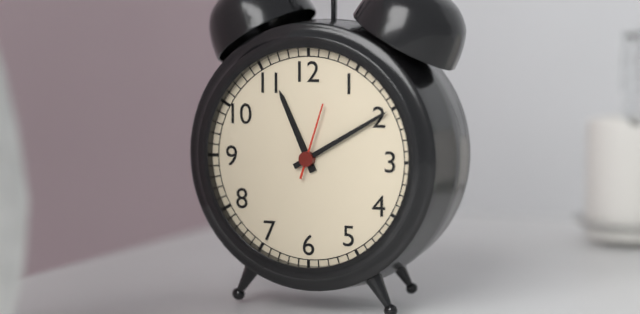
{"hour": 11, "minute": 10, "second": 3}
